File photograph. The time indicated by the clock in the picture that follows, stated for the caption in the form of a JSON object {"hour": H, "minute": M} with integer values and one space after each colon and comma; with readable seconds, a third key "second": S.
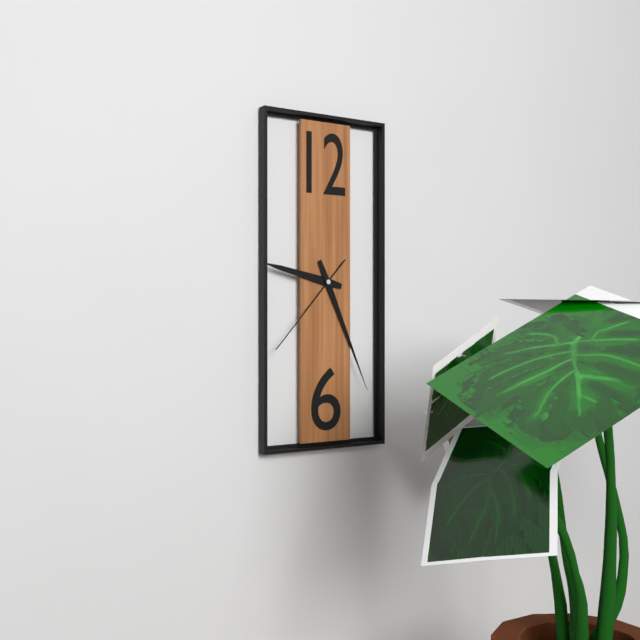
{"hour": 9, "minute": 26, "second": 37}
